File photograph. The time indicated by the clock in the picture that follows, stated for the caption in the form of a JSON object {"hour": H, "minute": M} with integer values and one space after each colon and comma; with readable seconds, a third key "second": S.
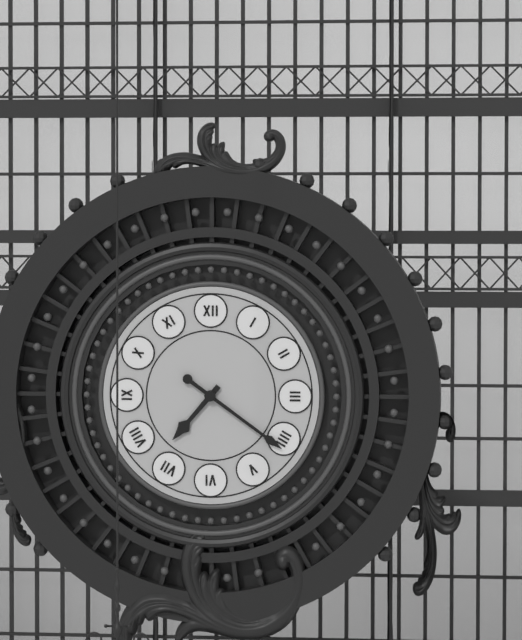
{"hour": 7, "minute": 21}
